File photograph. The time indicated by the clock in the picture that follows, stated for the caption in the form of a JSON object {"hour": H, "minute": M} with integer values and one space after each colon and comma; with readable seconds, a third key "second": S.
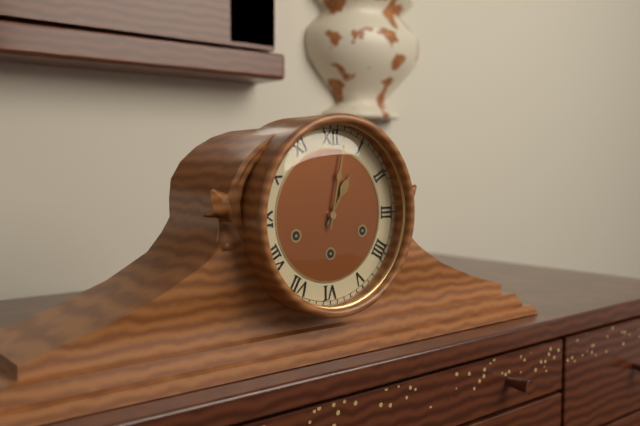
{"hour": 1, "minute": 2}
